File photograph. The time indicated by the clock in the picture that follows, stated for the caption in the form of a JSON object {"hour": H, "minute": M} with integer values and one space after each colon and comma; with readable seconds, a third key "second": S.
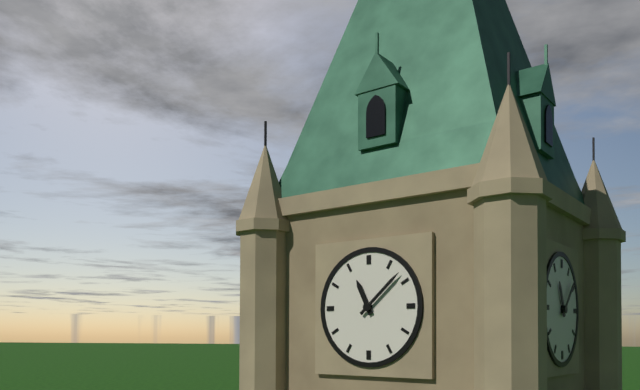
{"hour": 11, "minute": 8}
